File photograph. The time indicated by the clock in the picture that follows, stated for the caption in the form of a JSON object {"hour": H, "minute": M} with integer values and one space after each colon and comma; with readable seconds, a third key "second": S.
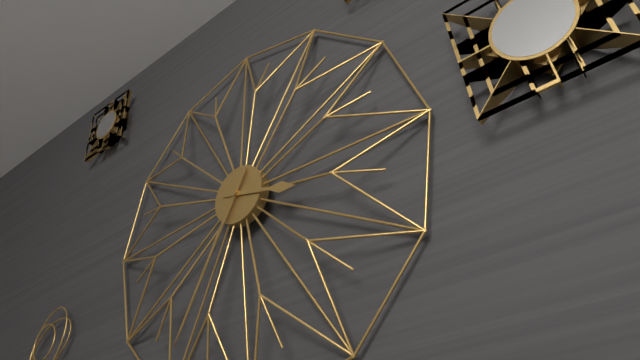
{"hour": 3, "minute": 35}
